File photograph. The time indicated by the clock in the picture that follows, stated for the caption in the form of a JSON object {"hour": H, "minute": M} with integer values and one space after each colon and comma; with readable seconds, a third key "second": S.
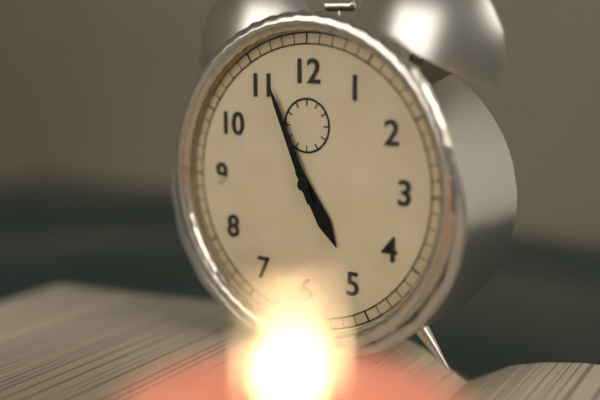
{"hour": 4, "minute": 56}
